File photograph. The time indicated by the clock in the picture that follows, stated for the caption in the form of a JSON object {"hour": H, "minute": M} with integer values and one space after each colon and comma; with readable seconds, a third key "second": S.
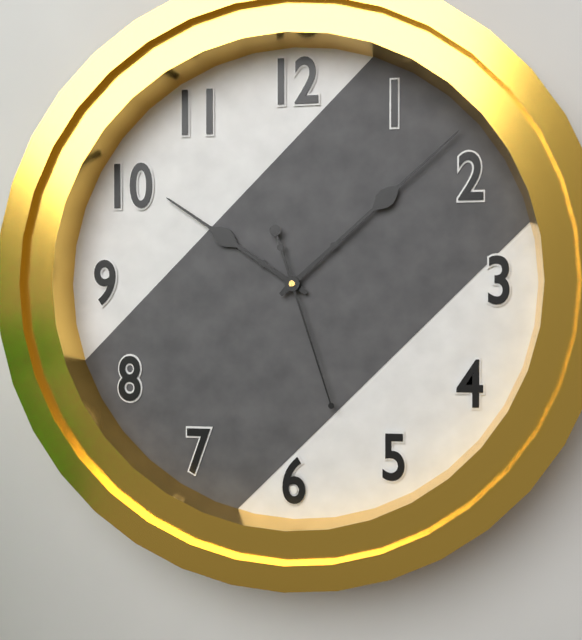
{"hour": 10, "minute": 8, "second": 27}
